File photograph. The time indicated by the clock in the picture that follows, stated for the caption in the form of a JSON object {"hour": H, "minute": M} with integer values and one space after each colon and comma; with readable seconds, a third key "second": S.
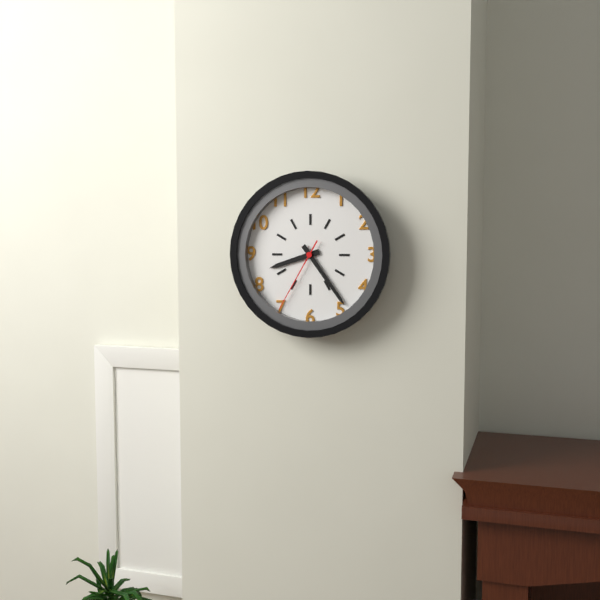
{"hour": 8, "minute": 24, "second": 35}
